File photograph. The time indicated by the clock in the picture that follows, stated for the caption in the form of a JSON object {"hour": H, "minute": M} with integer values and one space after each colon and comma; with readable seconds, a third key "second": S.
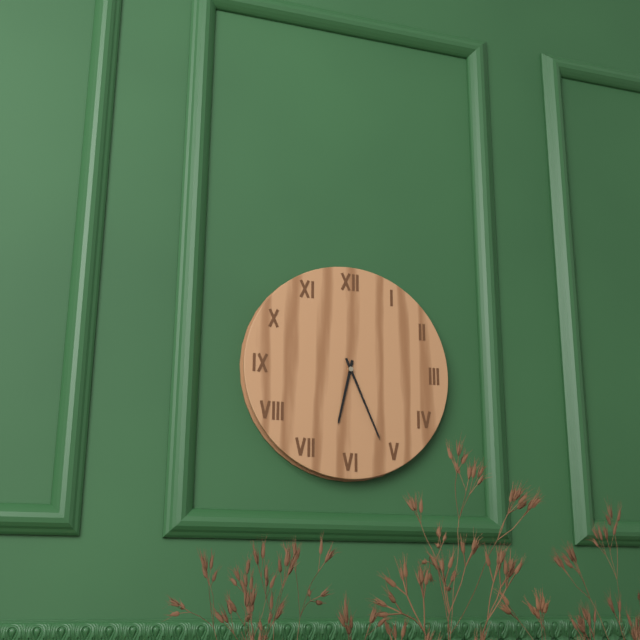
{"hour": 6, "minute": 26}
